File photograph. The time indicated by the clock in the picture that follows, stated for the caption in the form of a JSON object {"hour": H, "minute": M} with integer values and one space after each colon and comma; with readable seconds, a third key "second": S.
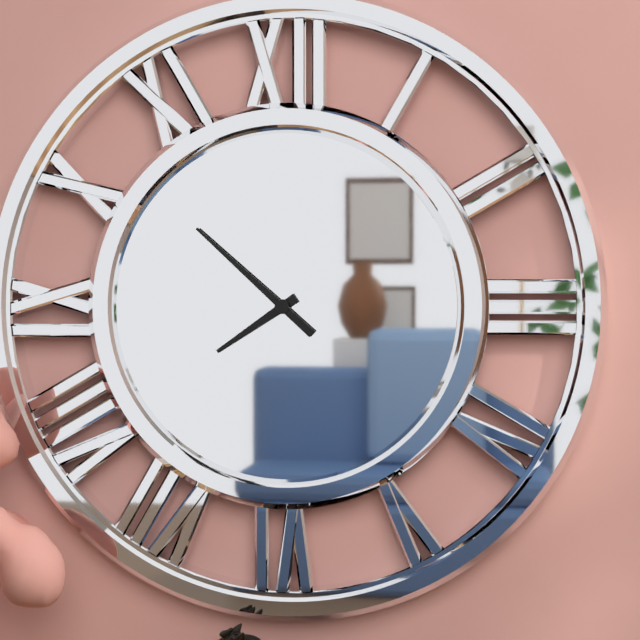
{"hour": 7, "minute": 52}
